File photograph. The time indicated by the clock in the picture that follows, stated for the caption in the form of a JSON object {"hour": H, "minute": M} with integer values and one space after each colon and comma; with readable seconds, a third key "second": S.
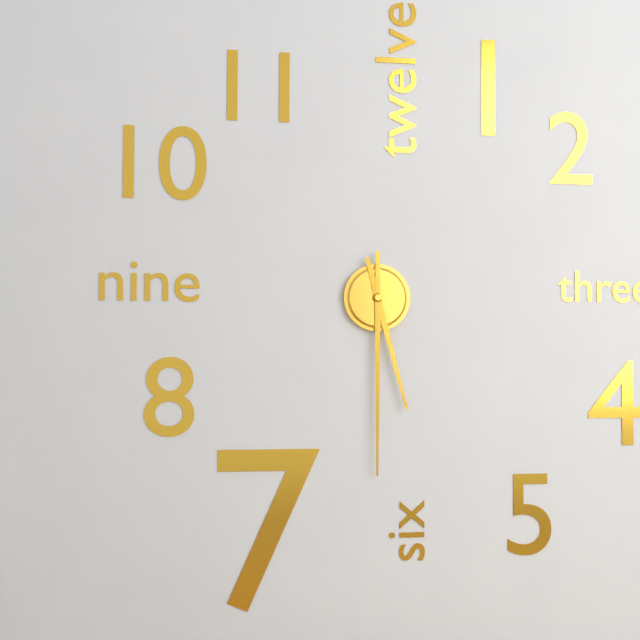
{"hour": 5, "minute": 30}
